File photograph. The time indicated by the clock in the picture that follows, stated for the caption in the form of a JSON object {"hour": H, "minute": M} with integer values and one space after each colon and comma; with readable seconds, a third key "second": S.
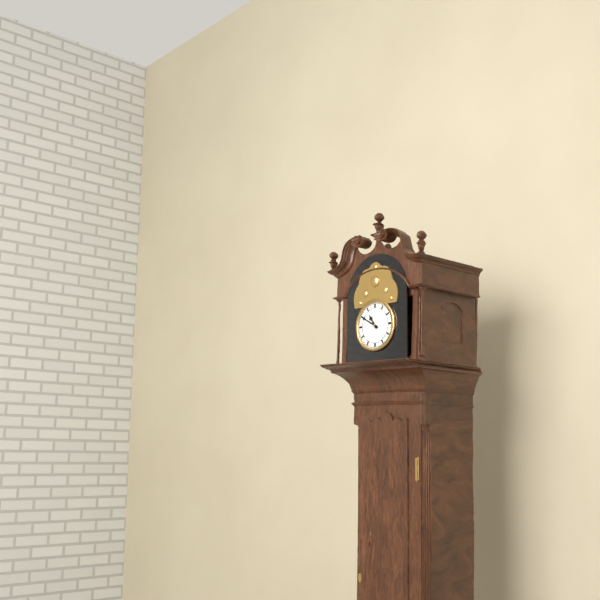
{"hour": 10, "minute": 50}
